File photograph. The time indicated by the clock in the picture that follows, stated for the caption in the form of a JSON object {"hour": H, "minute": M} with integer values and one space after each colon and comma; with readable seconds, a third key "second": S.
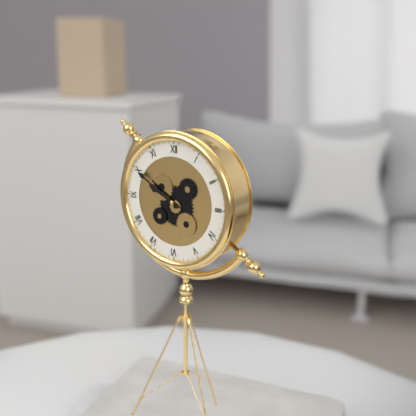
{"hour": 9, "minute": 50}
